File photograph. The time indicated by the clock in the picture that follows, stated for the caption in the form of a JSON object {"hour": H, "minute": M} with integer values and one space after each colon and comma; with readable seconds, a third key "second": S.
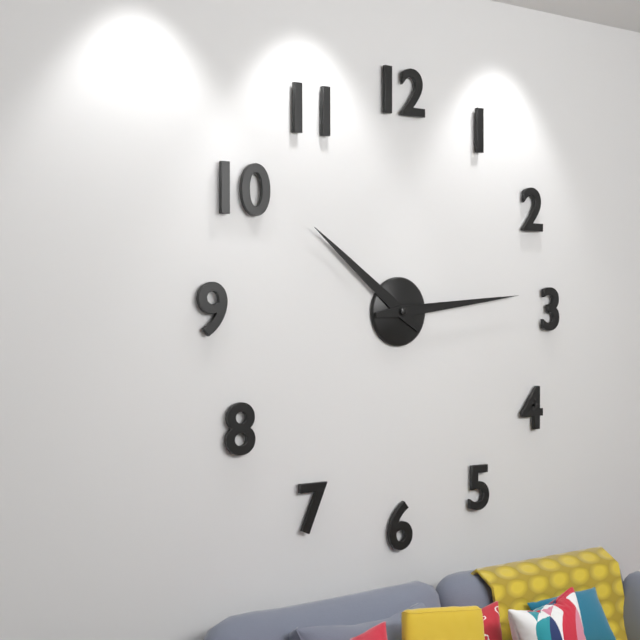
{"hour": 10, "minute": 14}
